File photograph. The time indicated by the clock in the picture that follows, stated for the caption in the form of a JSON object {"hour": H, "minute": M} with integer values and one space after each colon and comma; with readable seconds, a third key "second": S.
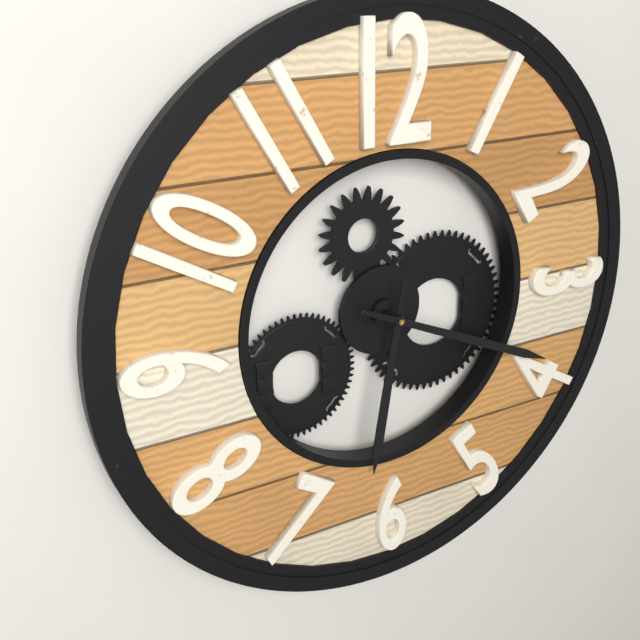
{"hour": 6, "minute": 19}
